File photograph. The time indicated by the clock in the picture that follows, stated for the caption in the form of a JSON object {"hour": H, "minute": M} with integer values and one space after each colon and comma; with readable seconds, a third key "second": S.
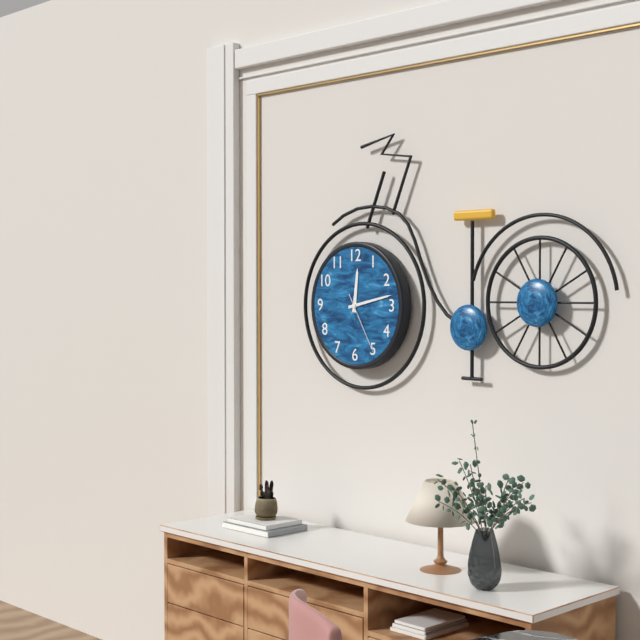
{"hour": 12, "minute": 13, "second": 25}
